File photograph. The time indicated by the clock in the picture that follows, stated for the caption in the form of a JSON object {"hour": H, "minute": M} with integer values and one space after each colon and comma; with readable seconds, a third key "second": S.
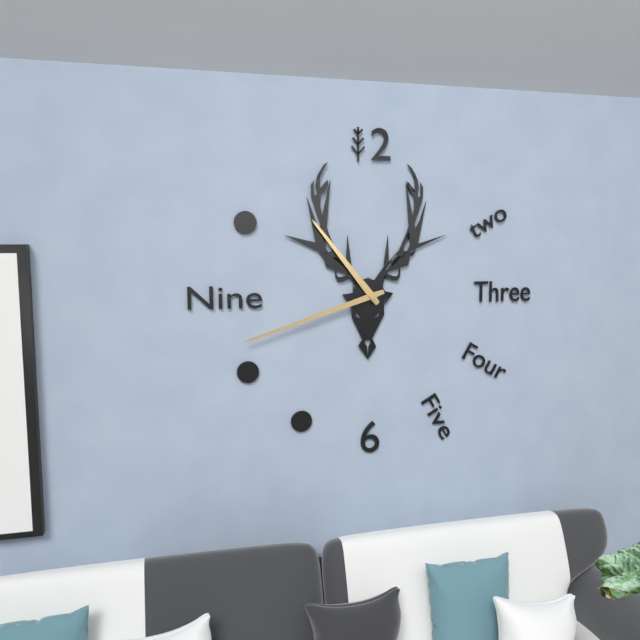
{"hour": 10, "minute": 42}
